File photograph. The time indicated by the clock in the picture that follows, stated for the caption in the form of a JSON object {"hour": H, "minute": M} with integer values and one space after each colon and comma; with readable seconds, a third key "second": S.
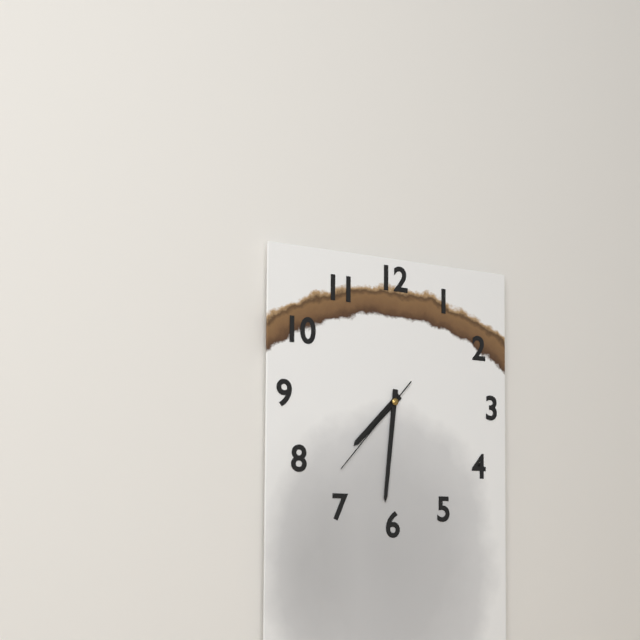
{"hour": 7, "minute": 31, "second": 37}
